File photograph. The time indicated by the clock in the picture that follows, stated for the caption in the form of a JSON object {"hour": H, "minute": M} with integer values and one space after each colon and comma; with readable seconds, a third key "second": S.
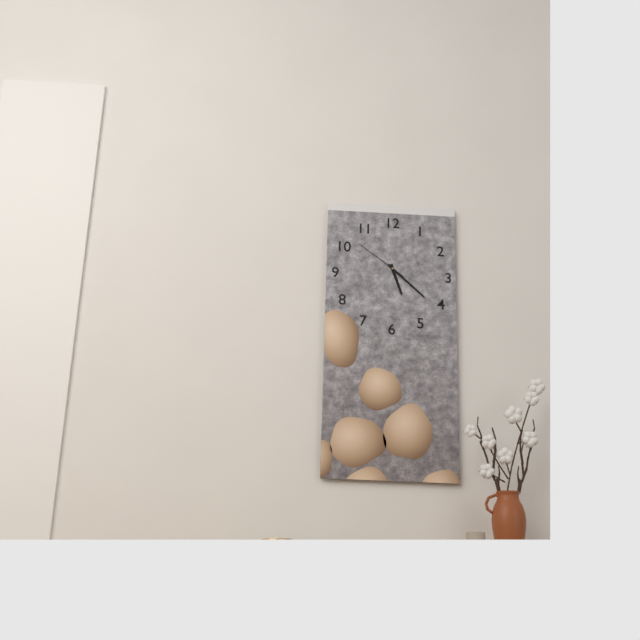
{"hour": 5, "minute": 22, "second": 51}
